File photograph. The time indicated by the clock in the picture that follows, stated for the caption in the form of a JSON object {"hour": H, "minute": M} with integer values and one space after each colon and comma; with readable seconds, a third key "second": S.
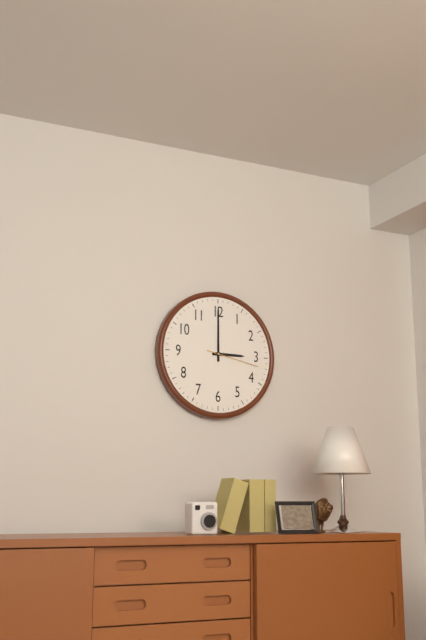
{"hour": 3, "minute": 0, "second": 17}
